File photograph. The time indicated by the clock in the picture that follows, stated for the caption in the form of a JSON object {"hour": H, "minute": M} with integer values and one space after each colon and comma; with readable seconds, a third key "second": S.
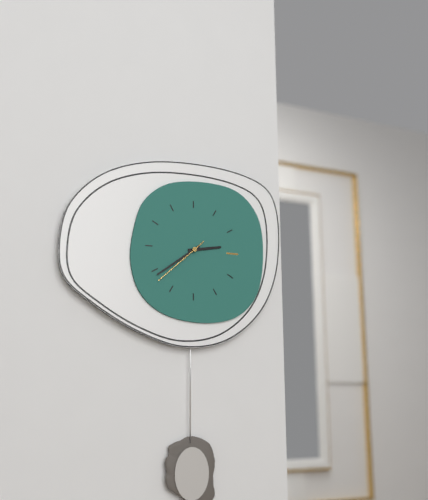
{"hour": 2, "minute": 39, "second": 38}
